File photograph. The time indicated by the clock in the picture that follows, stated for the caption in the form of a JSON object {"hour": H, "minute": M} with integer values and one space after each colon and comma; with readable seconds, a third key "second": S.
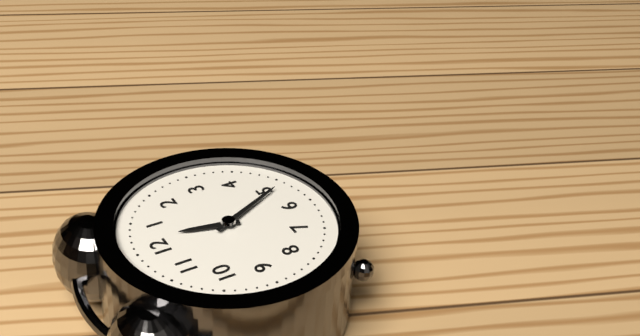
{"hour": 12, "minute": 26}
